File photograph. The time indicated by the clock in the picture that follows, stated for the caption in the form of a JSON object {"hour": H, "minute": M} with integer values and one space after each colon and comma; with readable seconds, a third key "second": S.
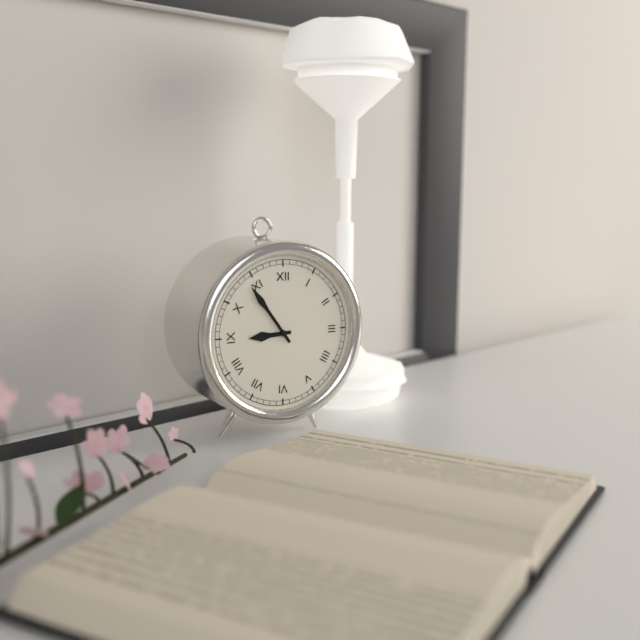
{"hour": 8, "minute": 54}
